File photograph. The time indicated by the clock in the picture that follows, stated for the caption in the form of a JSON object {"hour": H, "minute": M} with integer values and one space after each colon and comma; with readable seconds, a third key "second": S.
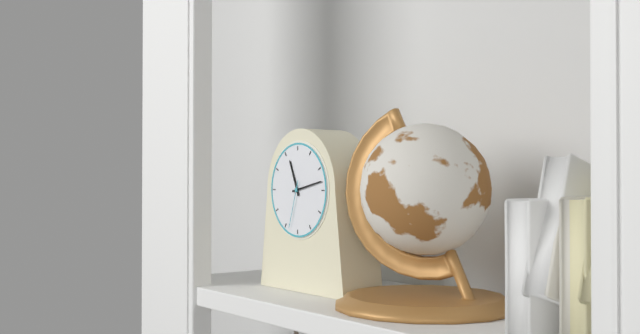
{"hour": 11, "minute": 13}
